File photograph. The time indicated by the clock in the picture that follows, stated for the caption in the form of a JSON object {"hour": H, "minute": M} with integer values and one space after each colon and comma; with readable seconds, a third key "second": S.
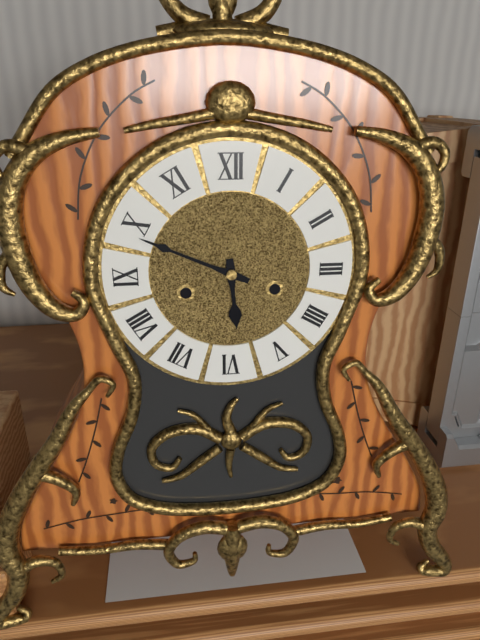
{"hour": 5, "minute": 49}
